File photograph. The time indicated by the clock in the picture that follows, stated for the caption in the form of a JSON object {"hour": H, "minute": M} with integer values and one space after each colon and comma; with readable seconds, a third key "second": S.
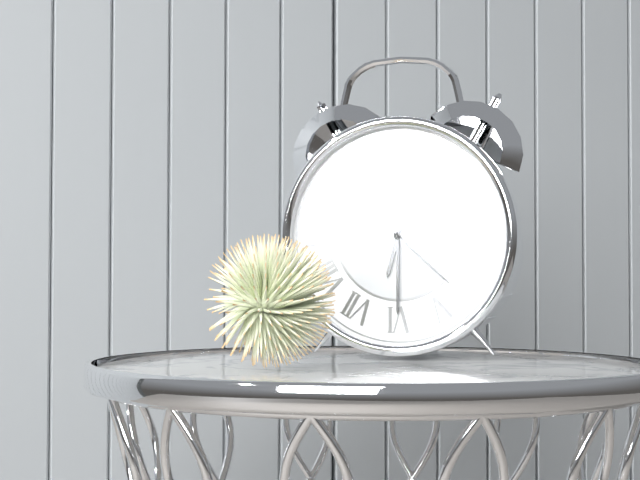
{"hour": 6, "minute": 30, "second": 22}
